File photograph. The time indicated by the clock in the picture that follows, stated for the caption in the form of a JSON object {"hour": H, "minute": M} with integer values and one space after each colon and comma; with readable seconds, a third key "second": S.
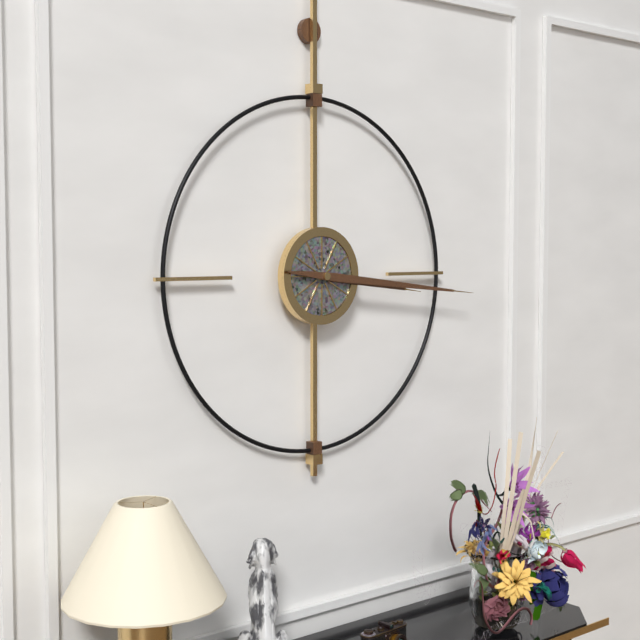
{"hour": 3, "minute": 16}
